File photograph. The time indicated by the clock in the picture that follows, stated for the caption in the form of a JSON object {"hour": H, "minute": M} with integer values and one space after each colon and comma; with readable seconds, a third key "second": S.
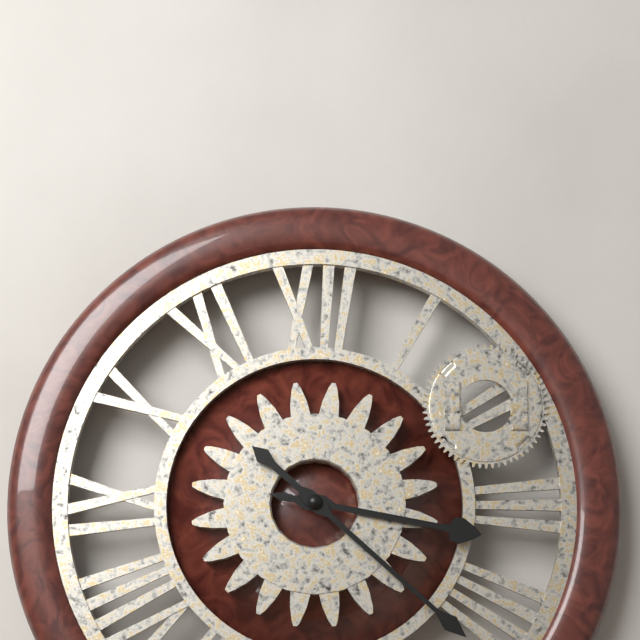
{"hour": 3, "minute": 22}
